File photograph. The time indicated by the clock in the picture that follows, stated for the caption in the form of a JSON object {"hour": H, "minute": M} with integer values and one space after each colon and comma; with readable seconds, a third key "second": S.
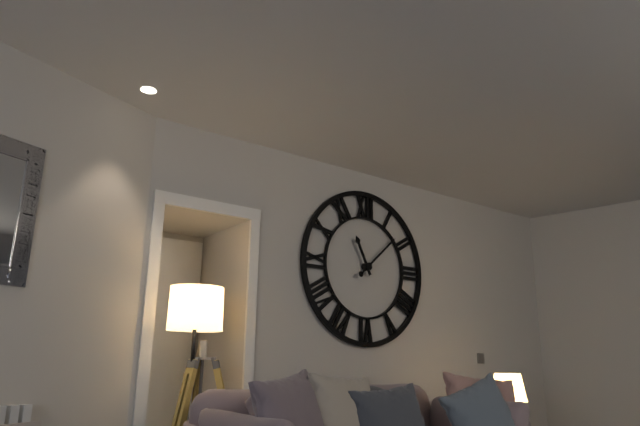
{"hour": 11, "minute": 8}
